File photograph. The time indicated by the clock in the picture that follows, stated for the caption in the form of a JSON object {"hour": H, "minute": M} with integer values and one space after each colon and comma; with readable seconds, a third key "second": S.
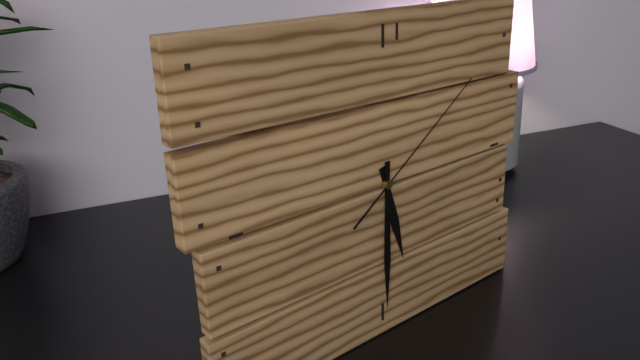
{"hour": 5, "minute": 30, "second": 9}
